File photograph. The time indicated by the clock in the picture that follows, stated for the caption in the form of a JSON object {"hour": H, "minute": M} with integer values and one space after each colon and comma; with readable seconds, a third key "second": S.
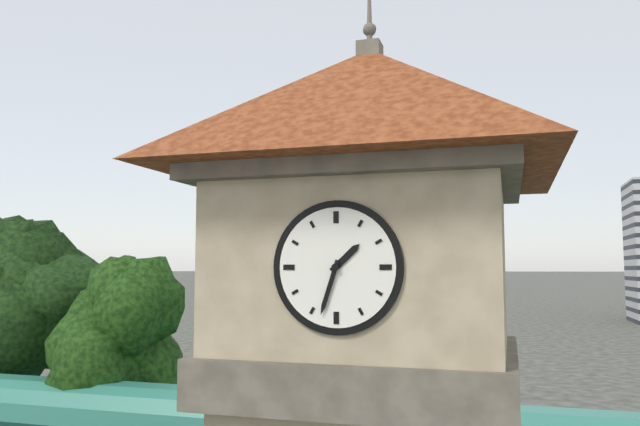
{"hour": 1, "minute": 33}
